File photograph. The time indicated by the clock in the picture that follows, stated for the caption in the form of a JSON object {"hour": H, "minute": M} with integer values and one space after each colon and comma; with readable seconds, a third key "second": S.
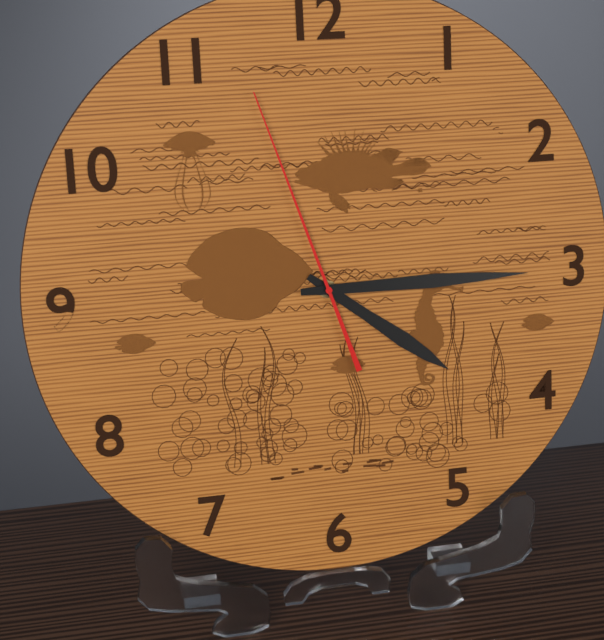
{"hour": 4, "minute": 15, "second": 57}
